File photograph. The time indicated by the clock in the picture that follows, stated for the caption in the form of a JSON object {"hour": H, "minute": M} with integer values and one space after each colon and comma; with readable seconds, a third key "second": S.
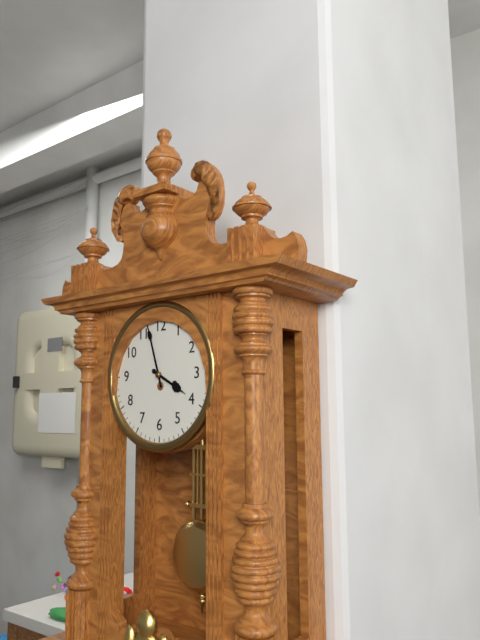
{"hour": 3, "minute": 57}
